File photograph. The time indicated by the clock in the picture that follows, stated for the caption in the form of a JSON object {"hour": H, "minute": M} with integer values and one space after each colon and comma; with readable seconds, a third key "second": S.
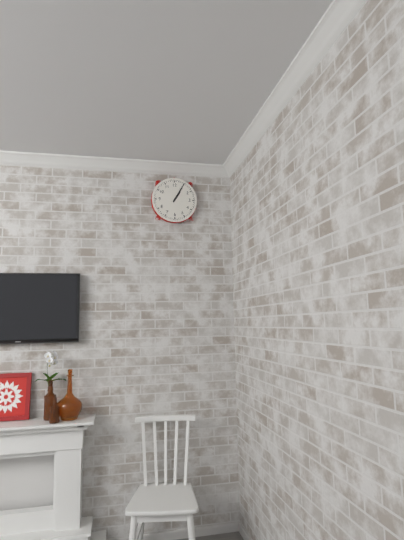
{"hour": 1, "minute": 5}
